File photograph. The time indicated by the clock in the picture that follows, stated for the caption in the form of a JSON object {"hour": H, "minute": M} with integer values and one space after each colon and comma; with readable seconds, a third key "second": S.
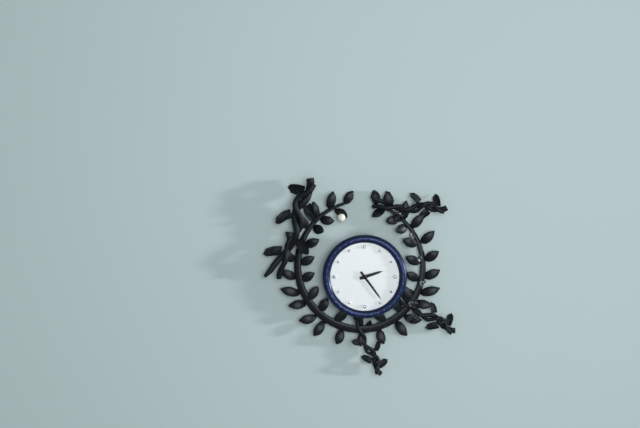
{"hour": 2, "minute": 24}
